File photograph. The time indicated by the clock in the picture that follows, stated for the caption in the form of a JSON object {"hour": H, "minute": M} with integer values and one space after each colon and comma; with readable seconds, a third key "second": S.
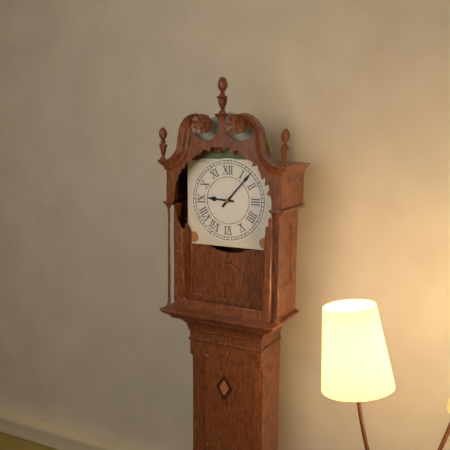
{"hour": 9, "minute": 7}
